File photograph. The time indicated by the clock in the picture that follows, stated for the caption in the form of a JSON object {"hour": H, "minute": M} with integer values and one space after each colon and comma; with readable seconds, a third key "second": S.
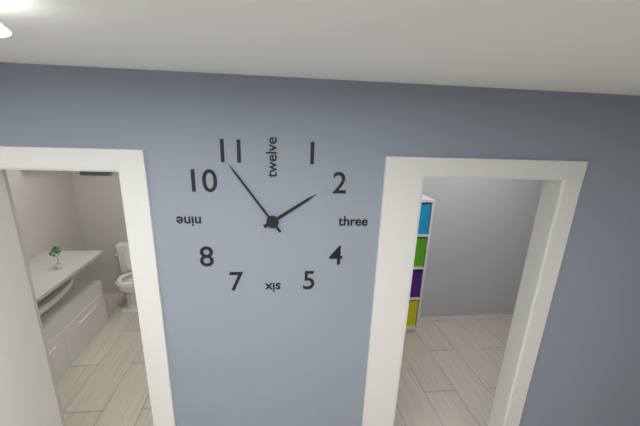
{"hour": 1, "minute": 54}
